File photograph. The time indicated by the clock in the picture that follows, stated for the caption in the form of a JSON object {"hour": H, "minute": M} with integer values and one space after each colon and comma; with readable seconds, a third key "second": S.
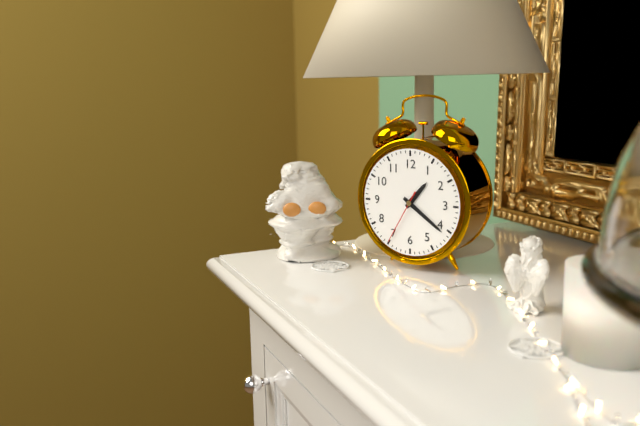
{"hour": 1, "minute": 21, "second": 35}
